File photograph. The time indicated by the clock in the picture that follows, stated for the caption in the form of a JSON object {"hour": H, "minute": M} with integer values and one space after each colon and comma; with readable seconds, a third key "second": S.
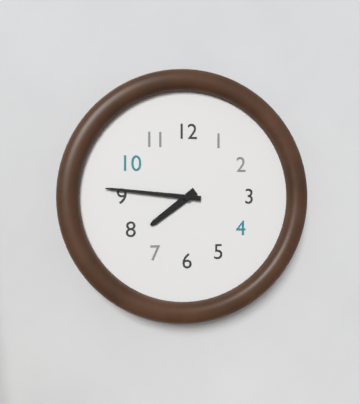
{"hour": 7, "minute": 46}
